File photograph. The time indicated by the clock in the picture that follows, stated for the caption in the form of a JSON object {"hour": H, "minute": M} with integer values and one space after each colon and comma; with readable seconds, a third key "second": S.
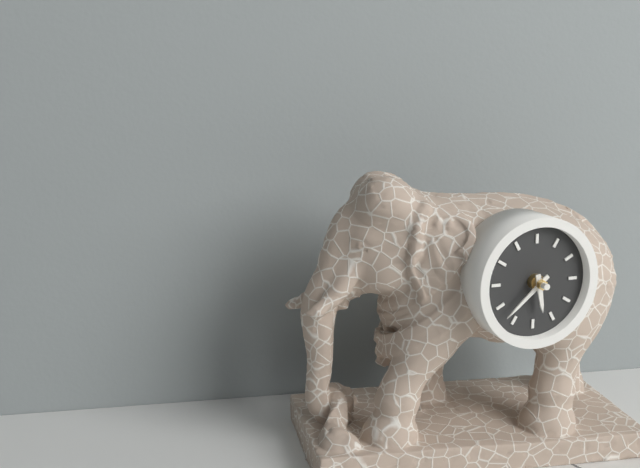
{"hour": 5, "minute": 38}
